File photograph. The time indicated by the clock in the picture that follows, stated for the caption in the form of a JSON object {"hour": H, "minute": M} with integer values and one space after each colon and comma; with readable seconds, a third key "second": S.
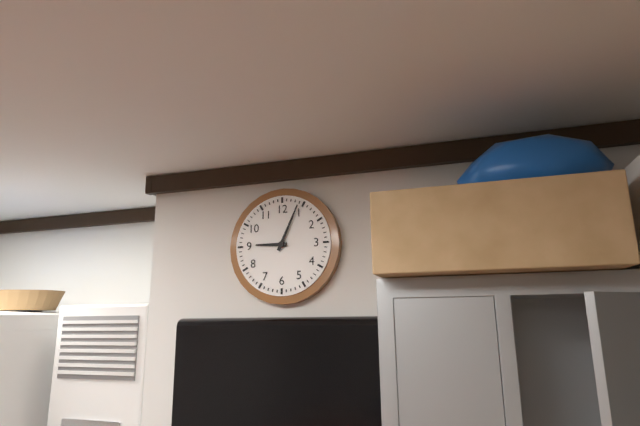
{"hour": 9, "minute": 4}
